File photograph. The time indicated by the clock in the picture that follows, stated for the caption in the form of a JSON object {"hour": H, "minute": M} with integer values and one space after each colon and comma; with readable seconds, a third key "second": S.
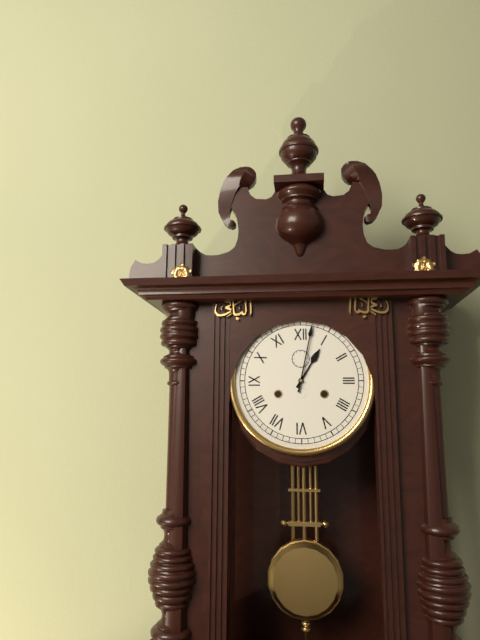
{"hour": 1, "minute": 2}
